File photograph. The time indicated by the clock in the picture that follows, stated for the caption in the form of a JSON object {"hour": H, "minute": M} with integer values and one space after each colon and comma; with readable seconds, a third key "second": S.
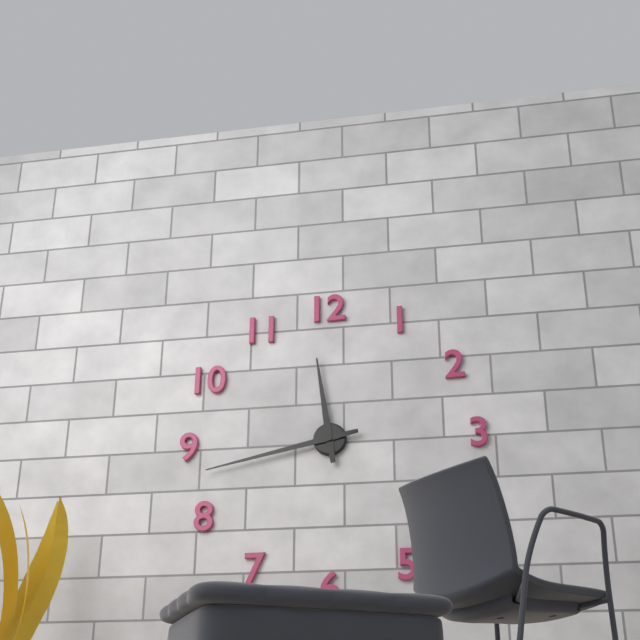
{"hour": 11, "minute": 43}
